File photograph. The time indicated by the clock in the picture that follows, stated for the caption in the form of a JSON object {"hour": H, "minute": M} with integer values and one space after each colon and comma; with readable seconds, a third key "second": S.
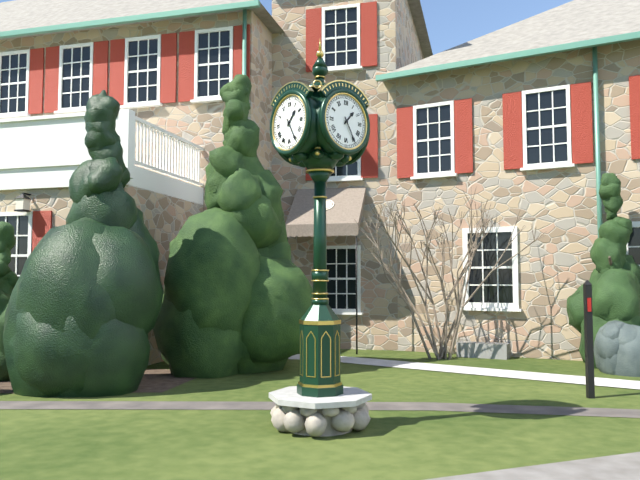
{"hour": 1, "minute": 25}
